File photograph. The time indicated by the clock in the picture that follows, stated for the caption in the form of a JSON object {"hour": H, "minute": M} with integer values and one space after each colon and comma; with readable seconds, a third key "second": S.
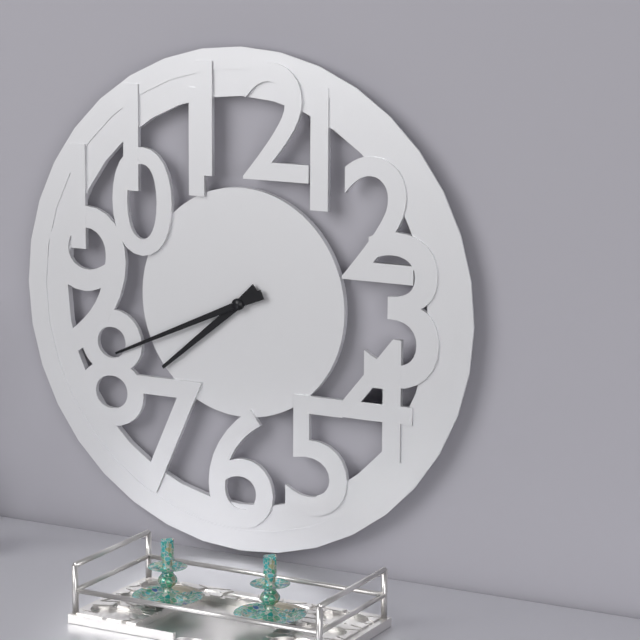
{"hour": 7, "minute": 41}
